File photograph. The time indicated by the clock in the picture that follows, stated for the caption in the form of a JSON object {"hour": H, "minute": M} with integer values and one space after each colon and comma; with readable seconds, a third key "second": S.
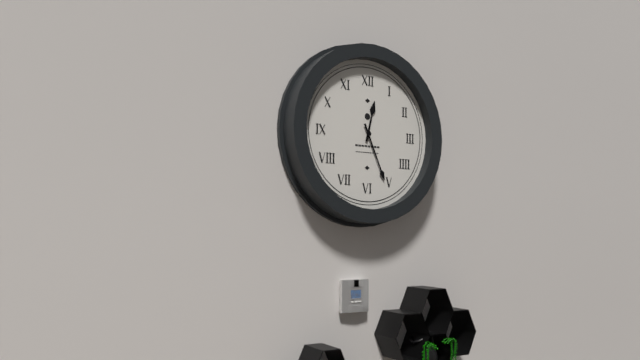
{"hour": 12, "minute": 26}
